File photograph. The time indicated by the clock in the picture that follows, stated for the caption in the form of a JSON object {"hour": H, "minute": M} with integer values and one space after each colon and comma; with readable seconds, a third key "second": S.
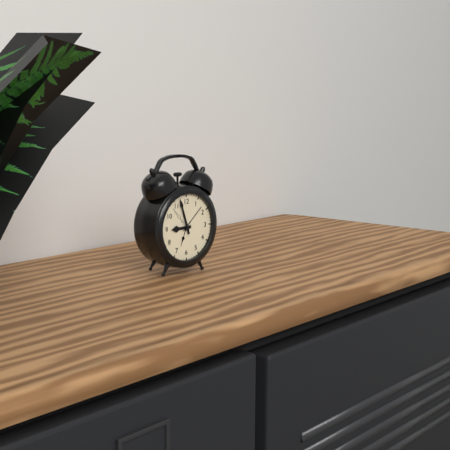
{"hour": 8, "minute": 57}
